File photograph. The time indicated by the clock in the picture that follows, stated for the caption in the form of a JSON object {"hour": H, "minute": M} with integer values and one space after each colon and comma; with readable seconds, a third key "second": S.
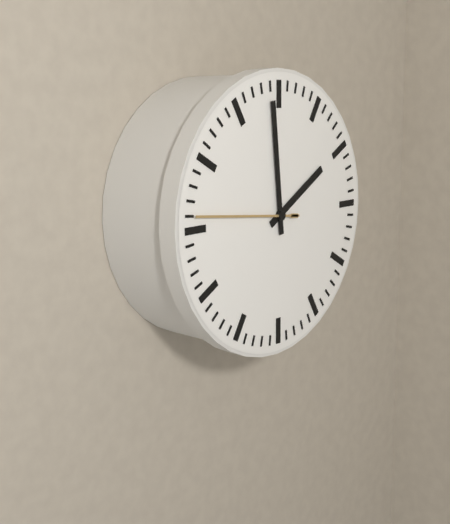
{"hour": 1, "minute": 59, "second": 46}
